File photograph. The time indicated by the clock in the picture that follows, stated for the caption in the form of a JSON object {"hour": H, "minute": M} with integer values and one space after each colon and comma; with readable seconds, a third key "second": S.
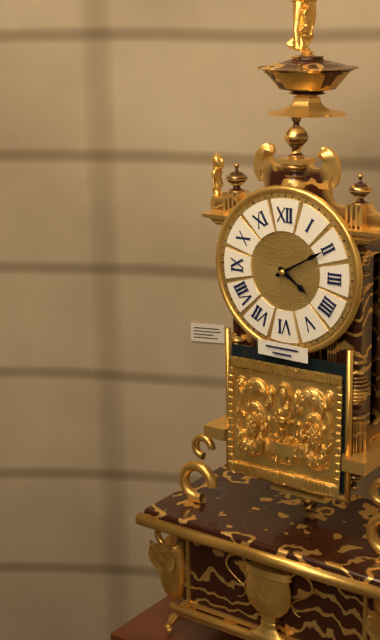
{"hour": 4, "minute": 10}
